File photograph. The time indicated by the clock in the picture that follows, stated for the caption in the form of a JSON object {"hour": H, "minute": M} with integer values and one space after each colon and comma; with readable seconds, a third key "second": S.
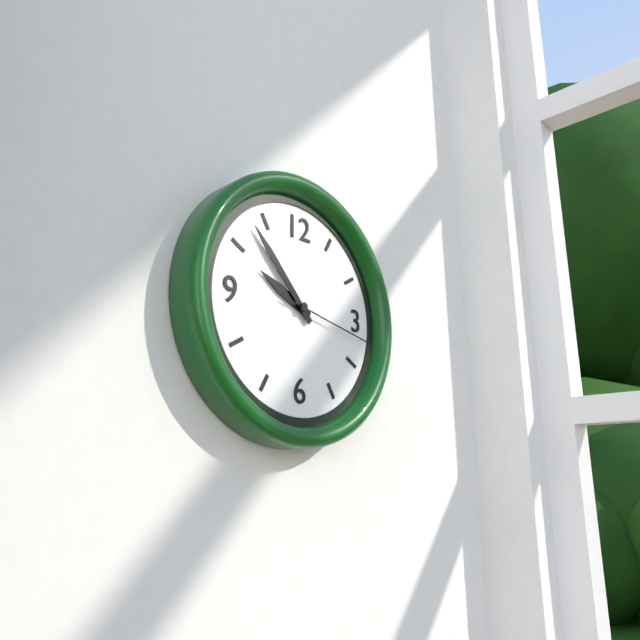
{"hour": 9, "minute": 53, "second": 17}
